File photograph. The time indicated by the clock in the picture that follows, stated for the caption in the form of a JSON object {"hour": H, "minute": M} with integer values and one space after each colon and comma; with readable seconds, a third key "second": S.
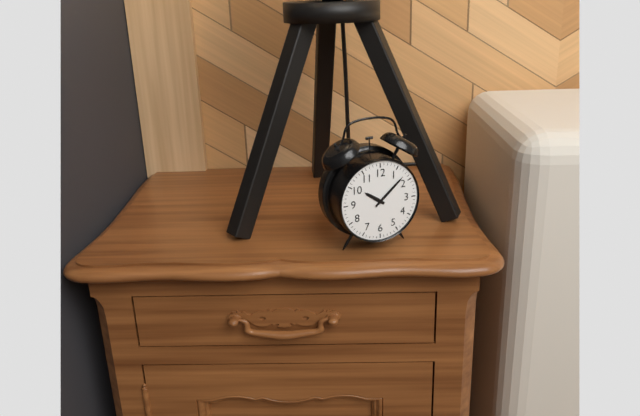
{"hour": 10, "minute": 8}
